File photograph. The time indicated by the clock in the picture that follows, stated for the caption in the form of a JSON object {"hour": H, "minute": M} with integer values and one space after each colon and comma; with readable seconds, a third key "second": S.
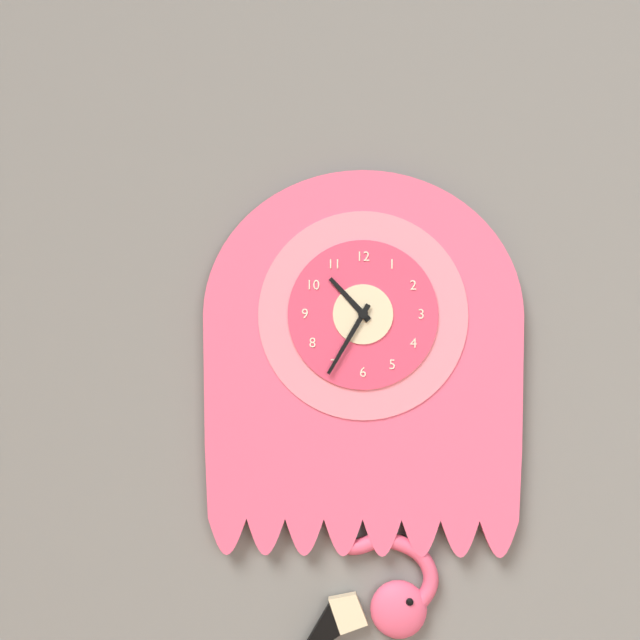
{"hour": 10, "minute": 35}
